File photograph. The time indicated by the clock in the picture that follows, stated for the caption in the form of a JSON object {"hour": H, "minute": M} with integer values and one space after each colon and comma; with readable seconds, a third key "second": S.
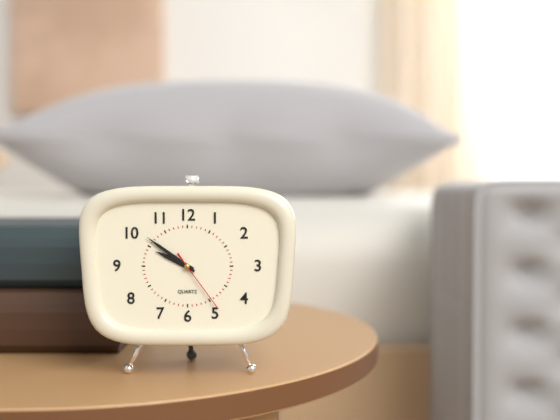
{"hour": 9, "minute": 51, "second": 24}
